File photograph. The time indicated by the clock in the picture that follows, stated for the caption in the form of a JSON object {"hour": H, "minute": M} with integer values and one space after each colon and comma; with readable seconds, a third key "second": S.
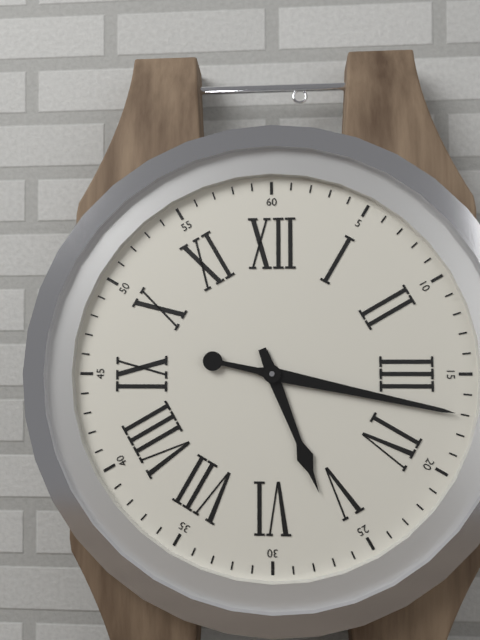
{"hour": 5, "minute": 17}
